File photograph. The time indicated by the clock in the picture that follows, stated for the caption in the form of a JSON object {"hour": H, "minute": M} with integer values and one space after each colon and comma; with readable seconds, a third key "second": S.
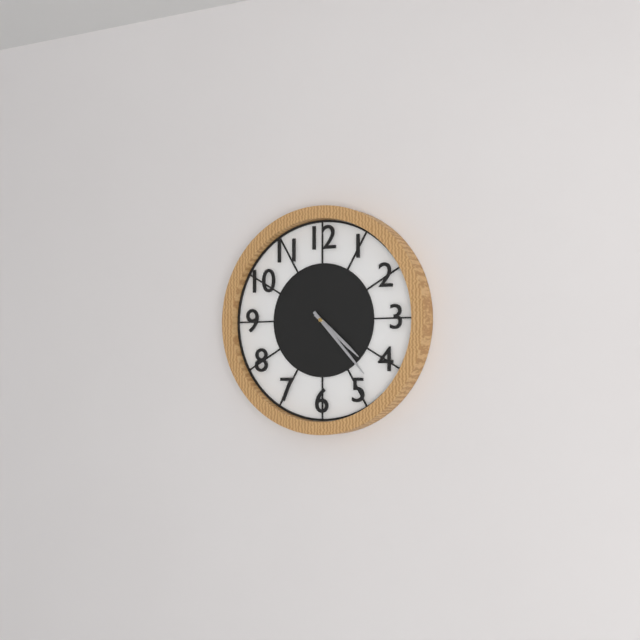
{"hour": 4, "minute": 23}
